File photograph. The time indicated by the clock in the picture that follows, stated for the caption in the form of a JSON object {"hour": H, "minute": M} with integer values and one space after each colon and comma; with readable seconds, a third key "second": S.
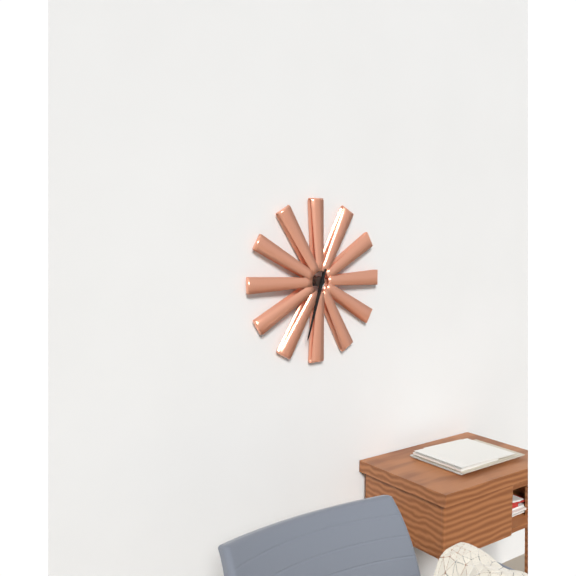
{"hour": 6, "minute": 33}
